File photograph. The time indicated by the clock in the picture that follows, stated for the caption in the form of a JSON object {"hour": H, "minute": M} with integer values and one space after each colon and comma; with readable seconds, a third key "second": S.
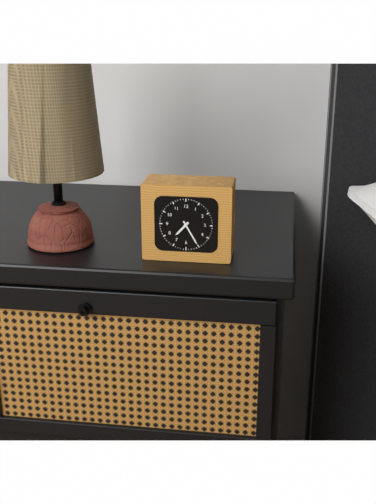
{"hour": 7, "minute": 25}
